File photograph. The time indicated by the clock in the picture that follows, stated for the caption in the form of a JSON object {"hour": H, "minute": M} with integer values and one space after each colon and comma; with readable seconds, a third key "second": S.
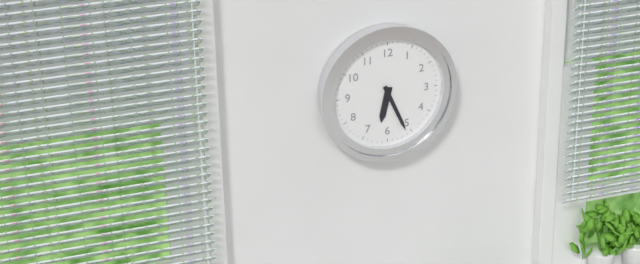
{"hour": 6, "minute": 26}
